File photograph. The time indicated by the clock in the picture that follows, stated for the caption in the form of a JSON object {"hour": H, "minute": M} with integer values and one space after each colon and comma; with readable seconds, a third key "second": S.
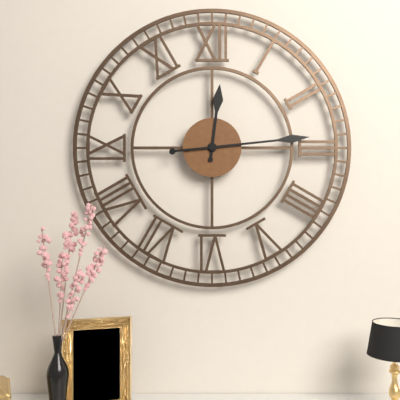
{"hour": 12, "minute": 14}
